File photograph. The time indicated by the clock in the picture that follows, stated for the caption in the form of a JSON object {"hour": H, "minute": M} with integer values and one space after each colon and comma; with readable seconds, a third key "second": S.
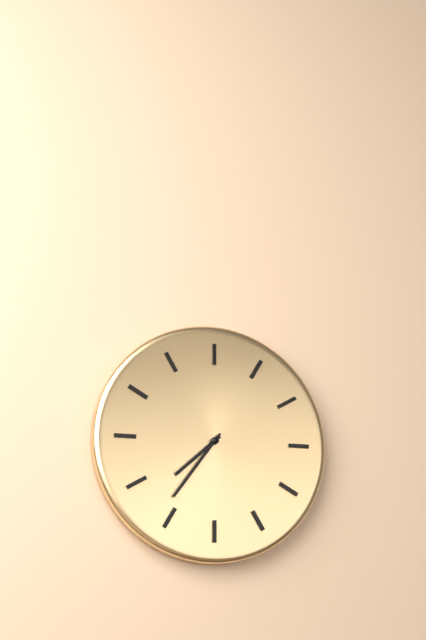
{"hour": 7, "minute": 36}
